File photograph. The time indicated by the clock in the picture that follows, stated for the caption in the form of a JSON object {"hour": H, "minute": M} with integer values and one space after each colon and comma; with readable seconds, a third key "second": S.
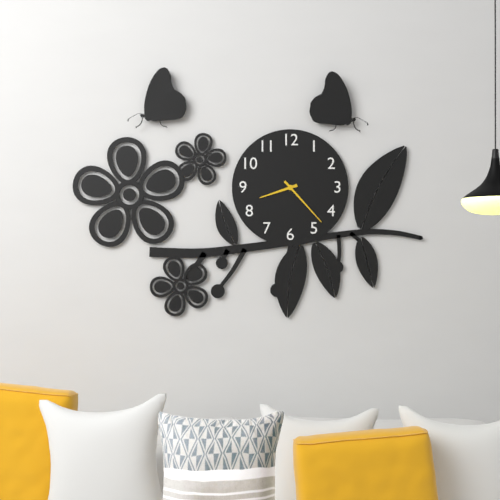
{"hour": 8, "minute": 23}
